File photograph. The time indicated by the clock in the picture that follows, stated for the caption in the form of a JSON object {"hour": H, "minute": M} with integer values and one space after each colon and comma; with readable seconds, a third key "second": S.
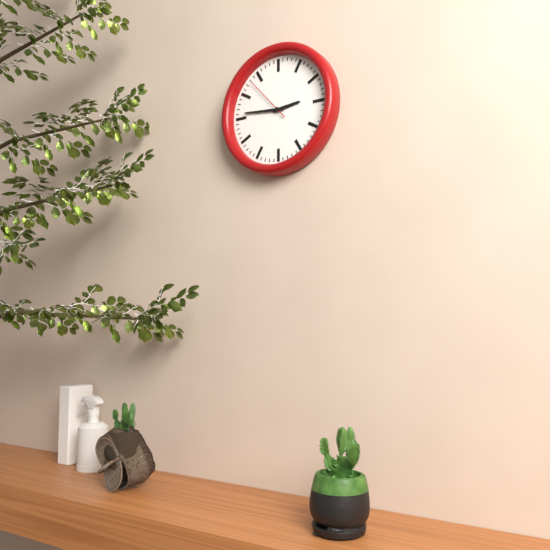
{"hour": 2, "minute": 46, "second": 53}
